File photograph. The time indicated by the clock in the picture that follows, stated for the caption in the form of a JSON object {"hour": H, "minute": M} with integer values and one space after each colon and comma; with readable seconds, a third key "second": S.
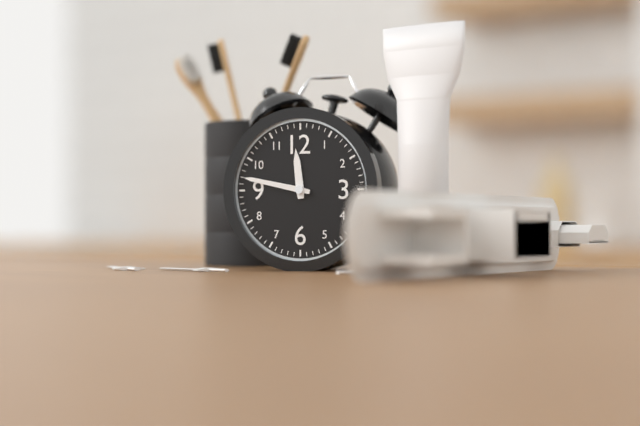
{"hour": 11, "minute": 47}
